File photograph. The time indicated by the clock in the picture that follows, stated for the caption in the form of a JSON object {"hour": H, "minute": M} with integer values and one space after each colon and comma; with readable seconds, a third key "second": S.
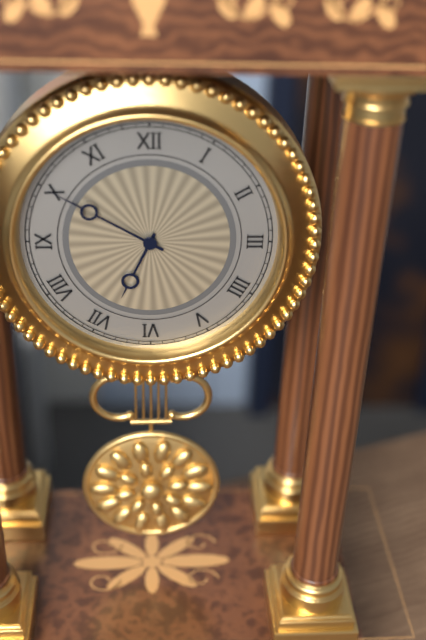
{"hour": 6, "minute": 50}
